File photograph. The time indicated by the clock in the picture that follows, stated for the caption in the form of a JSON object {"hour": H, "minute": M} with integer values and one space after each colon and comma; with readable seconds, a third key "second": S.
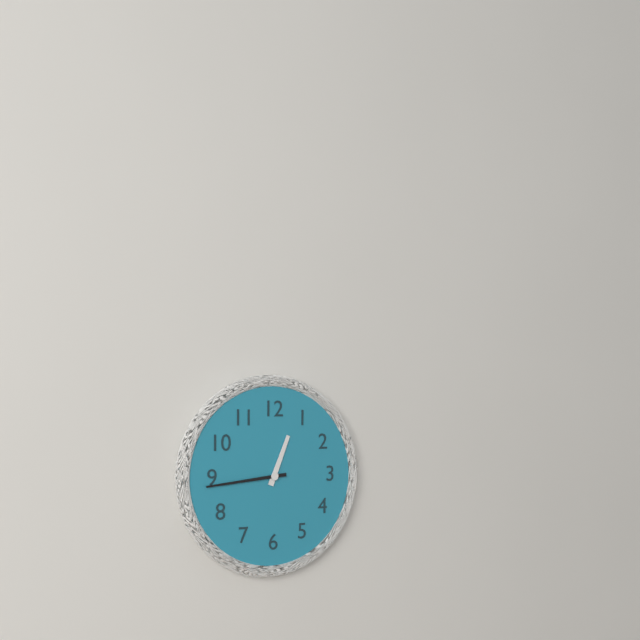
{"hour": 12, "minute": 44}
